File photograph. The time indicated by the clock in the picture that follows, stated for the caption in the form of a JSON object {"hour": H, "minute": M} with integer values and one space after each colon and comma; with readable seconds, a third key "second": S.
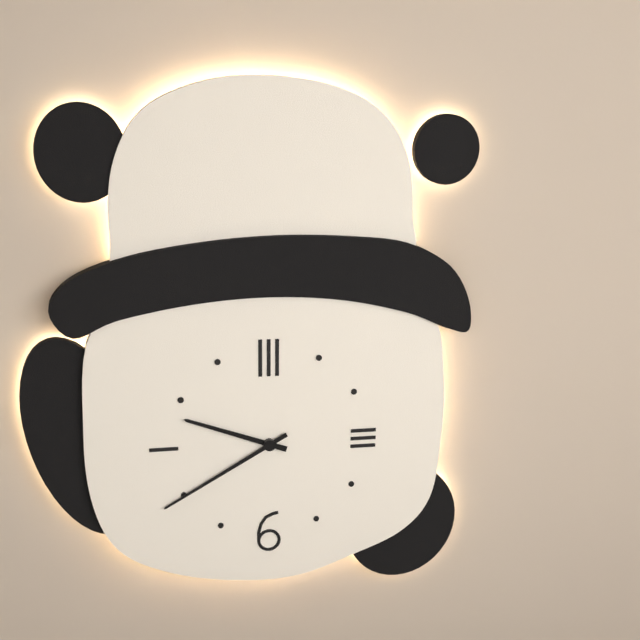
{"hour": 9, "minute": 40}
